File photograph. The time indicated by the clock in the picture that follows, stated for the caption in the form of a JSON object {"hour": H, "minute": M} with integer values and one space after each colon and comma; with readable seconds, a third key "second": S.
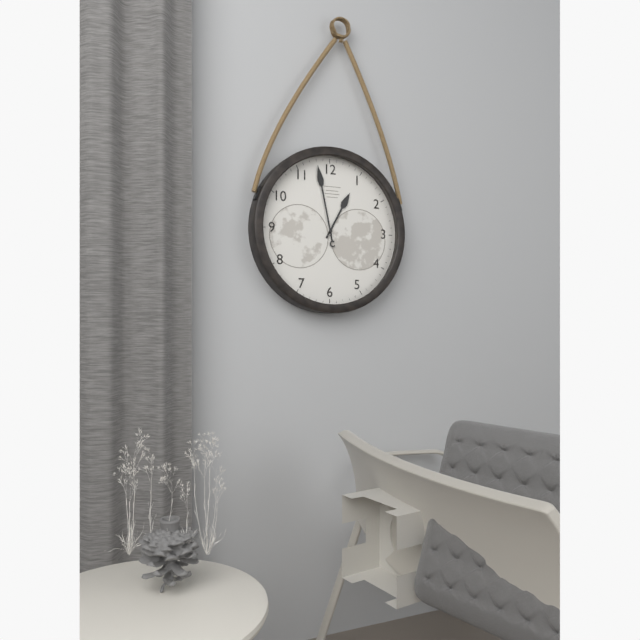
{"hour": 12, "minute": 58}
